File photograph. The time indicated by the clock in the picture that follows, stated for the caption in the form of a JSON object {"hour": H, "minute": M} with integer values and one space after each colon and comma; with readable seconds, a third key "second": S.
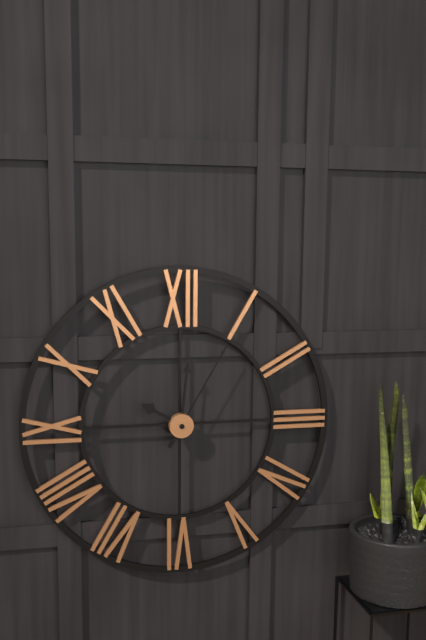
{"hour": 10, "minute": 1, "second": 5}
